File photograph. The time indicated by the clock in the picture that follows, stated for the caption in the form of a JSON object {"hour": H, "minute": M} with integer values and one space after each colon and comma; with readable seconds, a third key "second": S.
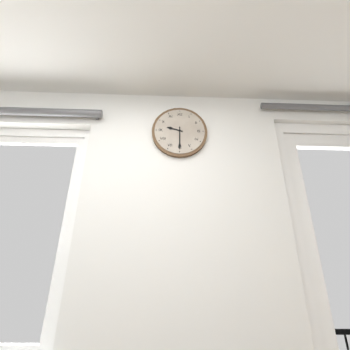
{"hour": 9, "minute": 30}
